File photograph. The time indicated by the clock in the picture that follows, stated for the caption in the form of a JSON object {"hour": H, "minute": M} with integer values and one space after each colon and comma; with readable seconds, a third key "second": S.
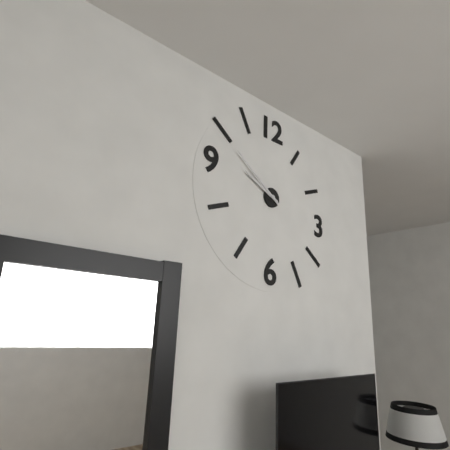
{"hour": 9, "minute": 51}
